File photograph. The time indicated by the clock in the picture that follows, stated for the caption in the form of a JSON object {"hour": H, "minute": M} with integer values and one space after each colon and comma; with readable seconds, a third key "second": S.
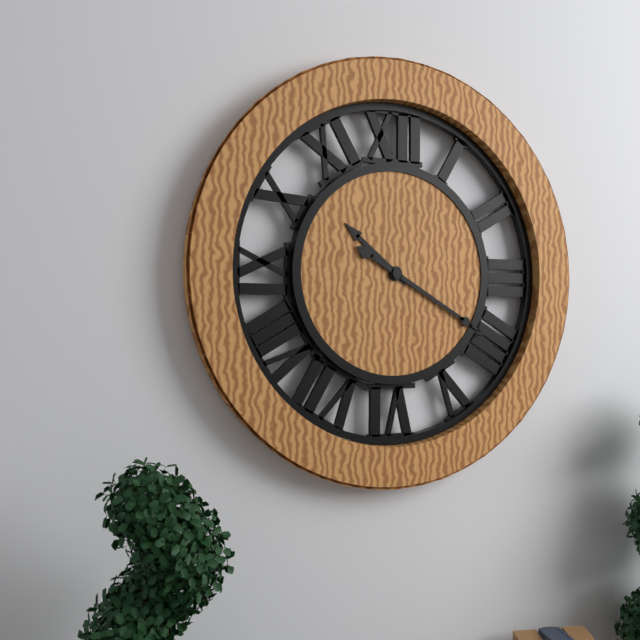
{"hour": 10, "minute": 20}
